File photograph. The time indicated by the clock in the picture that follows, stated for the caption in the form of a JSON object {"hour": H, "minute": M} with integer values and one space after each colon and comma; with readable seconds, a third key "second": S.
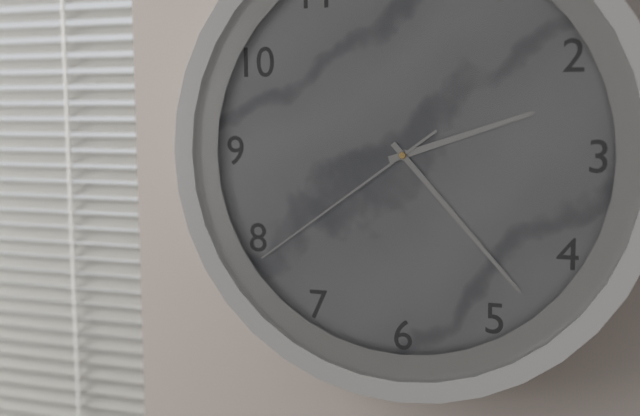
{"hour": 2, "minute": 23, "second": 39}
